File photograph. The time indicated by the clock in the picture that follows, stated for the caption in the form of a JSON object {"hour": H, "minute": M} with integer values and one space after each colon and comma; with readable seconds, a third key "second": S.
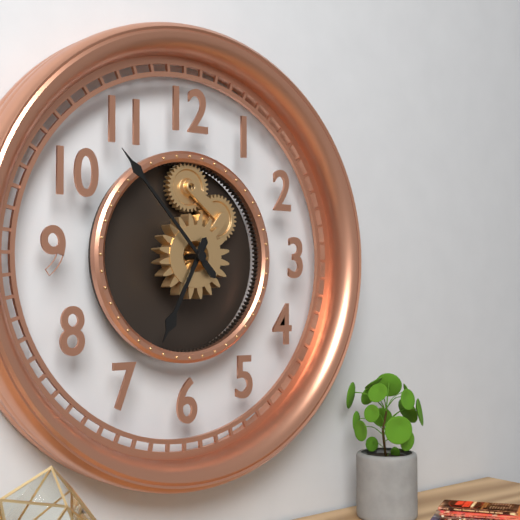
{"hour": 6, "minute": 53}
